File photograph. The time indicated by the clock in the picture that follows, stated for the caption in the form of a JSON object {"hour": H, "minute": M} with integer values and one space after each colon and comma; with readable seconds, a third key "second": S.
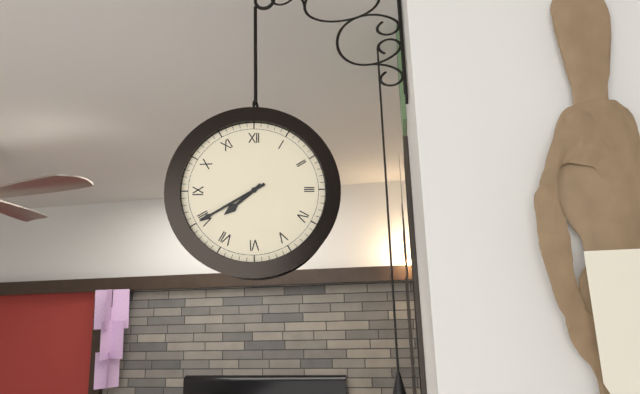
{"hour": 7, "minute": 40}
